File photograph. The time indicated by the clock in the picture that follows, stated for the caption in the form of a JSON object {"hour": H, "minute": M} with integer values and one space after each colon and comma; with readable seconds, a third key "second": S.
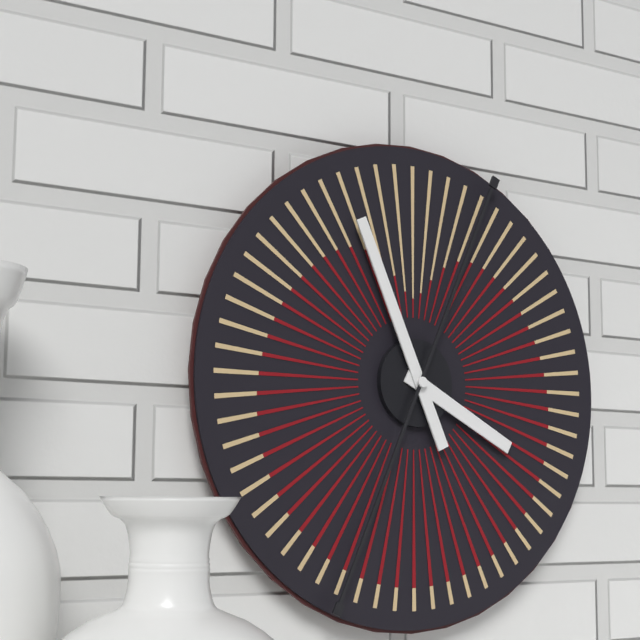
{"hour": 3, "minute": 56}
